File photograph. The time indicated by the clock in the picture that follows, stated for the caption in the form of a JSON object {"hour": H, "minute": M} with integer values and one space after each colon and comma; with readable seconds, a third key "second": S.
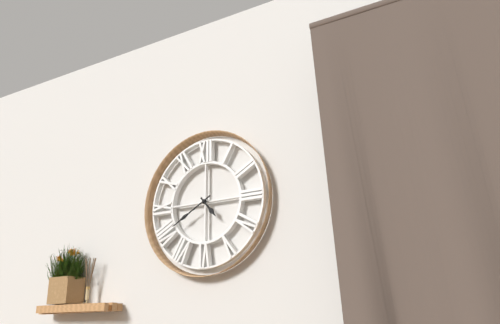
{"hour": 4, "minute": 40}
